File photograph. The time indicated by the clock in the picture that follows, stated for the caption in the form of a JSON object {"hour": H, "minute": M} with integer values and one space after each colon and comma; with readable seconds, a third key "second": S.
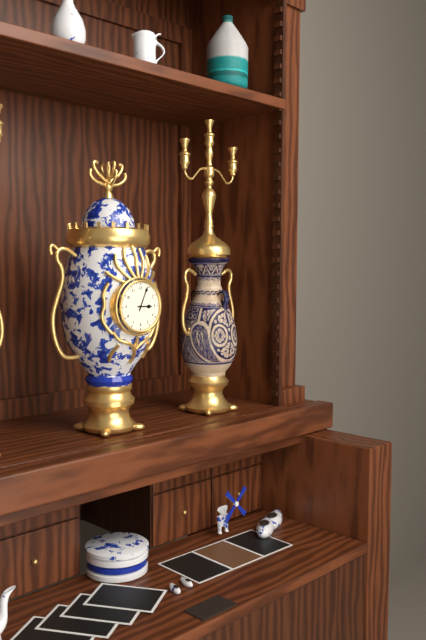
{"hour": 3, "minute": 4}
